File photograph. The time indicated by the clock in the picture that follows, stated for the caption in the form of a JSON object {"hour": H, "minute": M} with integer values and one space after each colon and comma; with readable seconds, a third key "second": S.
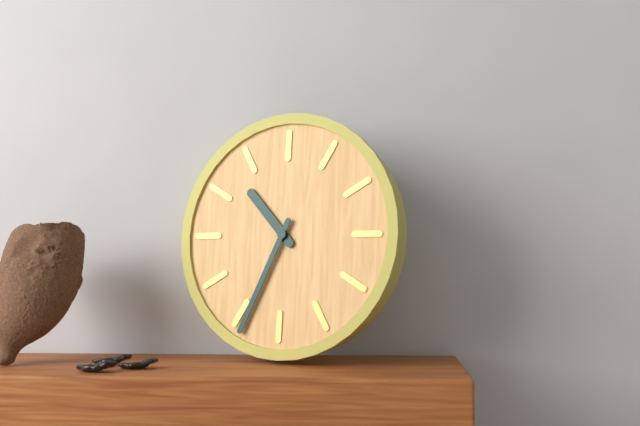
{"hour": 10, "minute": 34}
